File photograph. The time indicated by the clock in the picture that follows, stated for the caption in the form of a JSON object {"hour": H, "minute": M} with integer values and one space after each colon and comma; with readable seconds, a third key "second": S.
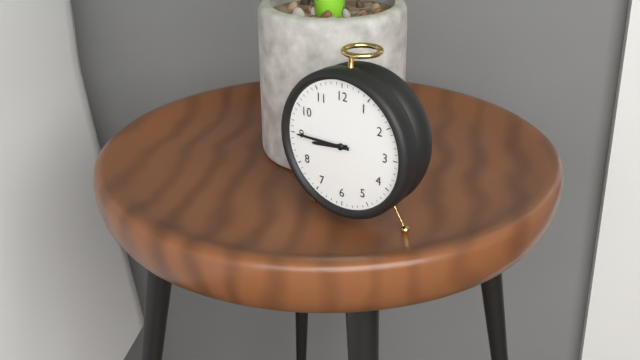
{"hour": 8, "minute": 45}
